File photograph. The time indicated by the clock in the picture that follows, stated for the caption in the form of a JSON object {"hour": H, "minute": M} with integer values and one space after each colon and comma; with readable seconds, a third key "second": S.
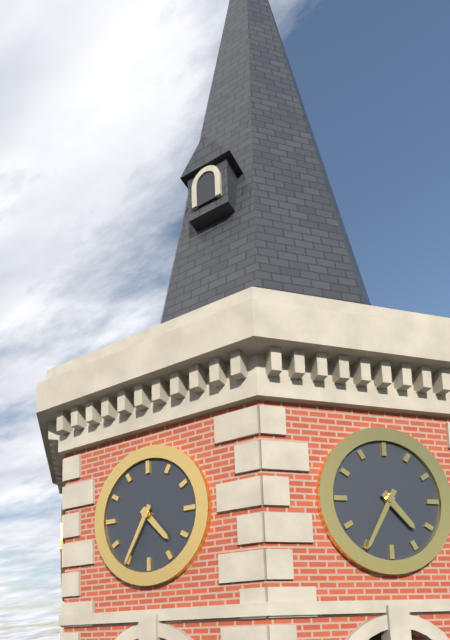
{"hour": 4, "minute": 35}
